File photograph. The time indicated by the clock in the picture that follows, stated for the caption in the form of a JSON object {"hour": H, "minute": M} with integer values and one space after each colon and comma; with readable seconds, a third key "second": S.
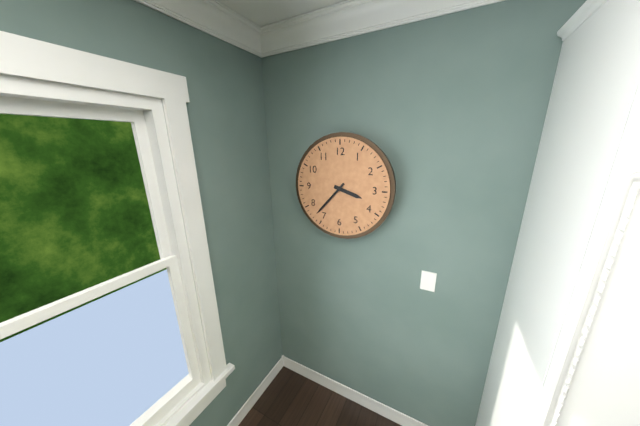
{"hour": 3, "minute": 37}
